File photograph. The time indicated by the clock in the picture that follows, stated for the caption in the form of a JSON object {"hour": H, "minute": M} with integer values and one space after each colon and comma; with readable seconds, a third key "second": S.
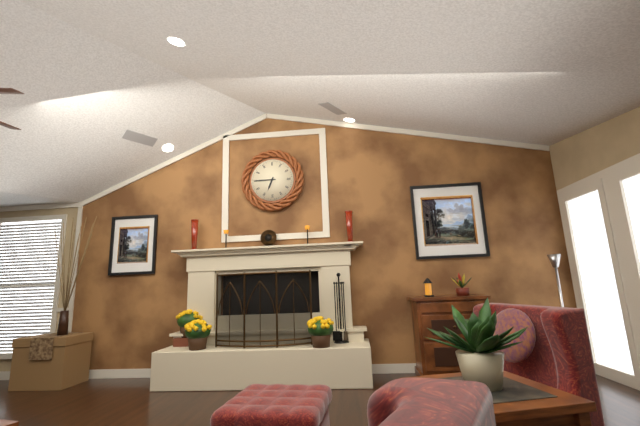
{"hour": 6, "minute": 45}
